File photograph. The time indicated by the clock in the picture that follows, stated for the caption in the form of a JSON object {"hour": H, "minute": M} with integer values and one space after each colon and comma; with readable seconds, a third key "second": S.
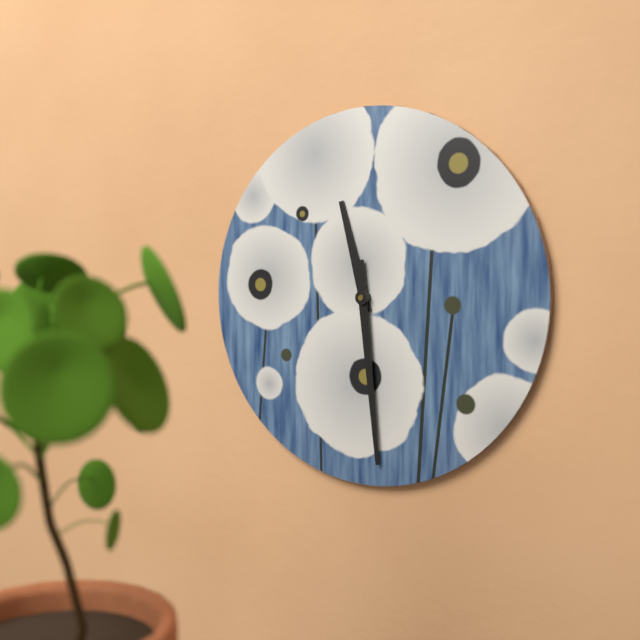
{"hour": 11, "minute": 29}
